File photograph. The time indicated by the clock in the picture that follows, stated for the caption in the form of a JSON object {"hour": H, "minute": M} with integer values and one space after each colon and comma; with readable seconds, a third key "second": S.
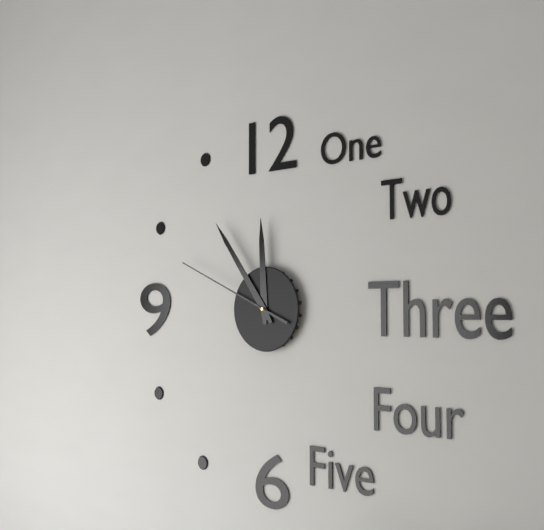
{"hour": 11, "minute": 54, "second": 49}
